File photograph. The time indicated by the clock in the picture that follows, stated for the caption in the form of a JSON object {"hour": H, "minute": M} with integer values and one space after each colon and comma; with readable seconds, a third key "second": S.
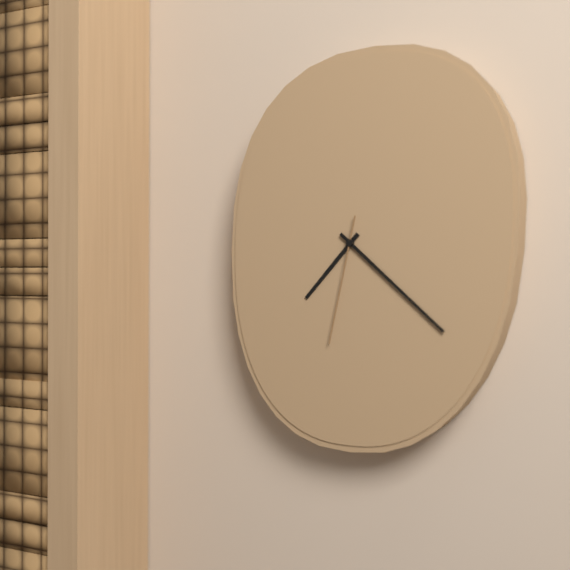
{"hour": 7, "minute": 22, "second": 32}
